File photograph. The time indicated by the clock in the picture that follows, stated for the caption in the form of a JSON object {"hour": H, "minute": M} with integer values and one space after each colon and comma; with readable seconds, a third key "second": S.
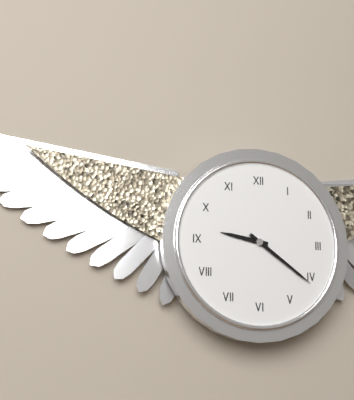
{"hour": 9, "minute": 21}
